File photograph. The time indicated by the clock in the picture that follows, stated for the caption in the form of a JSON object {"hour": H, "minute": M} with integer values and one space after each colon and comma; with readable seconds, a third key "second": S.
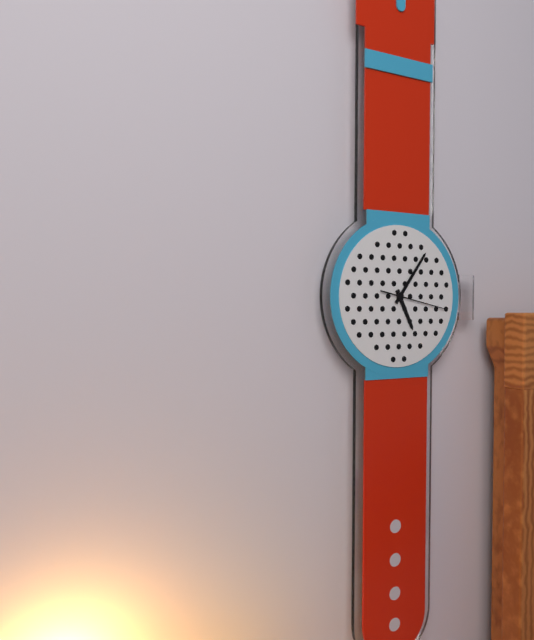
{"hour": 5, "minute": 6, "second": 17}
